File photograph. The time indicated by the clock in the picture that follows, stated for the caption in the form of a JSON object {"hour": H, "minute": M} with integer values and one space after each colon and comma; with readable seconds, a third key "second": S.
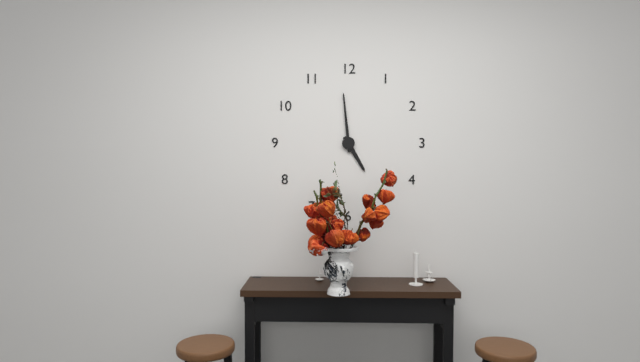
{"hour": 4, "minute": 59}
